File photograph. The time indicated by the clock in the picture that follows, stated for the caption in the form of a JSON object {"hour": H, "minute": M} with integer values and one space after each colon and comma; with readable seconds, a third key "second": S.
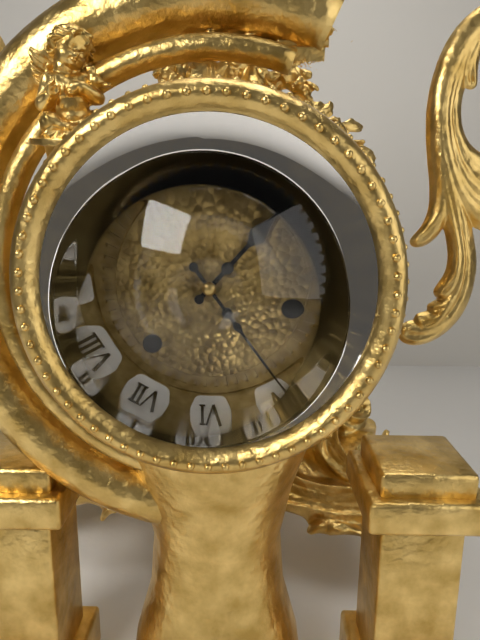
{"hour": 1, "minute": 24}
